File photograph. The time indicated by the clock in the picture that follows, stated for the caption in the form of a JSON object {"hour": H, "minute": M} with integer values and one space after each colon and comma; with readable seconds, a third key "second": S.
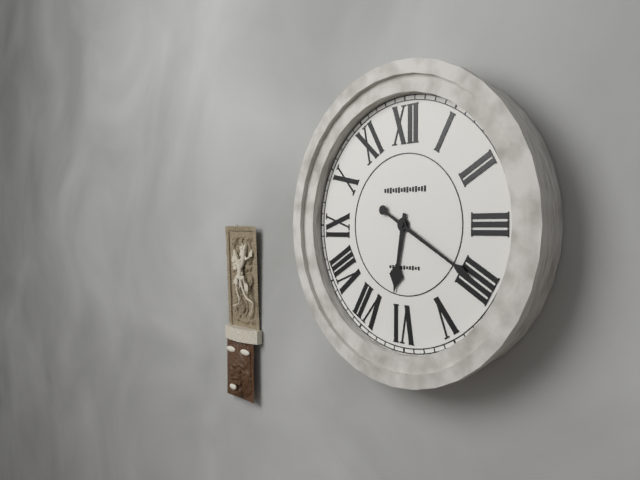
{"hour": 6, "minute": 20}
